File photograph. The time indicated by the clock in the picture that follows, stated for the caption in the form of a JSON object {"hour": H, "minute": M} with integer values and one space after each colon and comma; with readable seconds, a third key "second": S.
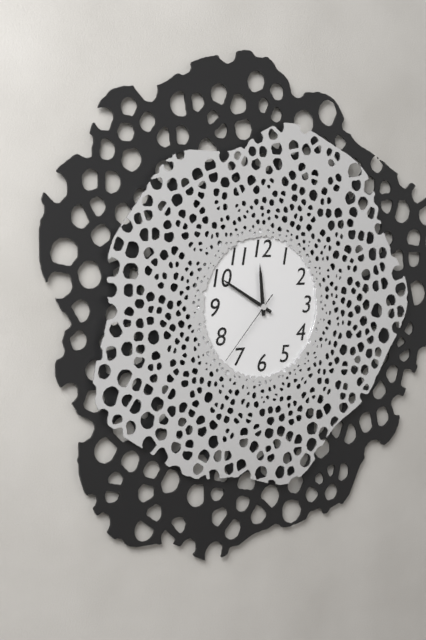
{"hour": 11, "minute": 50, "second": 37}
